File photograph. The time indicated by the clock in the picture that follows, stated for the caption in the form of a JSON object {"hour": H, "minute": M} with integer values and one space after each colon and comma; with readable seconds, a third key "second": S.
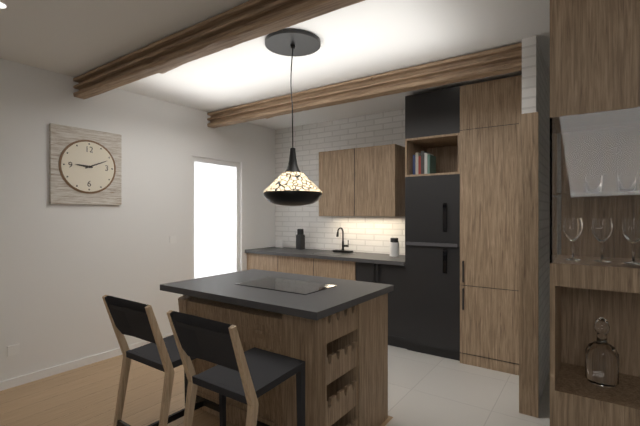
{"hour": 9, "minute": 11}
